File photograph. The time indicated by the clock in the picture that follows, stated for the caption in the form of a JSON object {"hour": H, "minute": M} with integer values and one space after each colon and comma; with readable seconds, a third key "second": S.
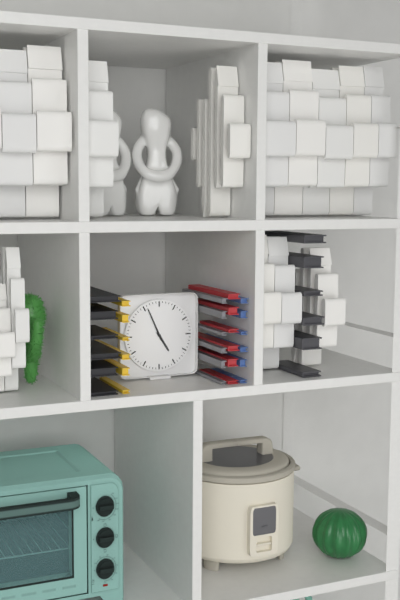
{"hour": 4, "minute": 56}
